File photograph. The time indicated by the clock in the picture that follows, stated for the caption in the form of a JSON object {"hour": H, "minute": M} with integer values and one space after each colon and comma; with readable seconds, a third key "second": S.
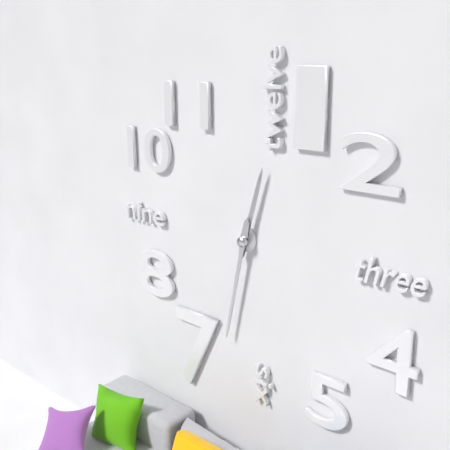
{"hour": 12, "minute": 32}
